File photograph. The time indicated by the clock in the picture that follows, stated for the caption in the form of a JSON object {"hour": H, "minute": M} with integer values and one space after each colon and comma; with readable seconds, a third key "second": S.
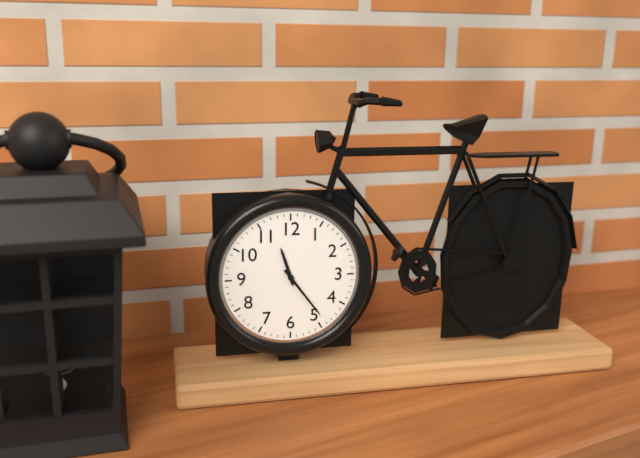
{"hour": 11, "minute": 24}
